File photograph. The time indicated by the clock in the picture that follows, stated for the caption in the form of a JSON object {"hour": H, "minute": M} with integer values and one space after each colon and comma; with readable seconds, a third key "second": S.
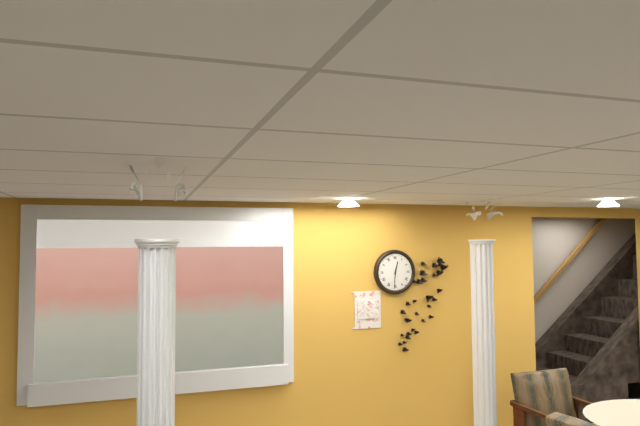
{"hour": 12, "minute": 31}
